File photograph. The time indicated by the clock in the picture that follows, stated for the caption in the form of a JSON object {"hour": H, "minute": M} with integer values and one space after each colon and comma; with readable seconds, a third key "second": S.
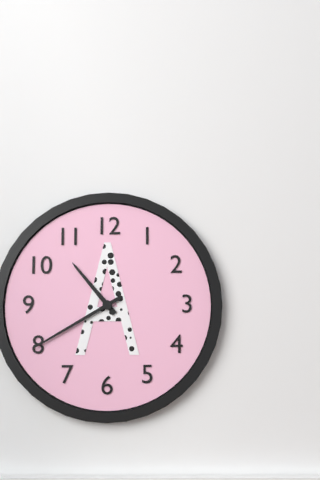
{"hour": 10, "minute": 40}
